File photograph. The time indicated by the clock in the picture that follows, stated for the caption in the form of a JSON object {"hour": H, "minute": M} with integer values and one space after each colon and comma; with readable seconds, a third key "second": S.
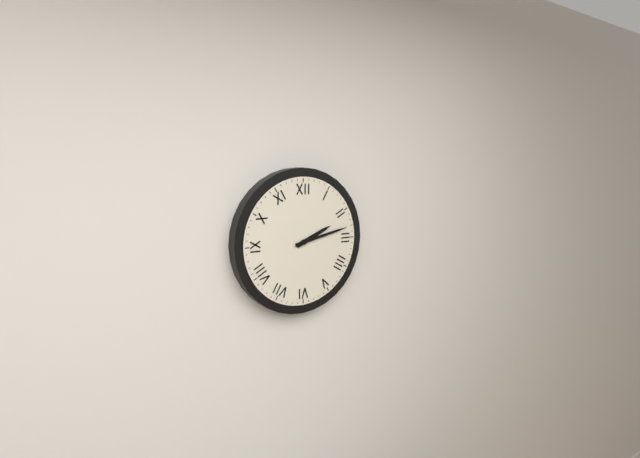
{"hour": 2, "minute": 13}
